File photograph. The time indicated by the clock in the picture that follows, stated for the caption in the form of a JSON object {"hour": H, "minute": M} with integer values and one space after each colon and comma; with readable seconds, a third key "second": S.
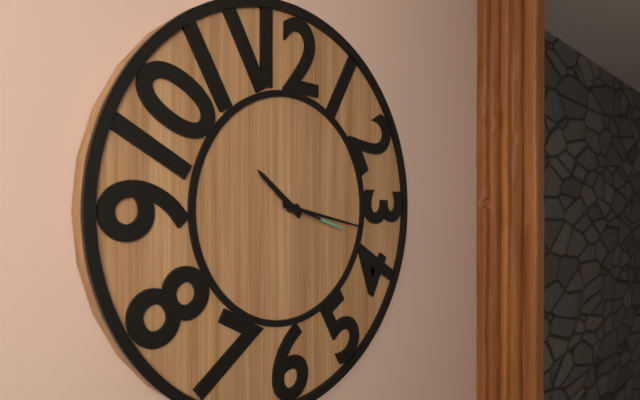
{"hour": 10, "minute": 17, "second": 18}
